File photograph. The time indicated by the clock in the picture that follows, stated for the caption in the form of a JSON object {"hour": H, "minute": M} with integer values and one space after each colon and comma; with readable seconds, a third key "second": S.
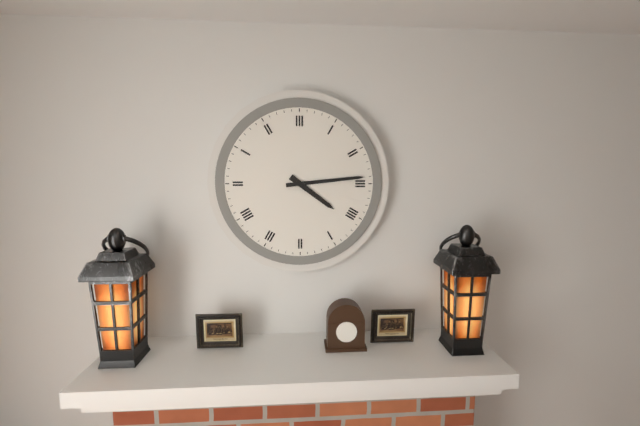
{"hour": 4, "minute": 14}
